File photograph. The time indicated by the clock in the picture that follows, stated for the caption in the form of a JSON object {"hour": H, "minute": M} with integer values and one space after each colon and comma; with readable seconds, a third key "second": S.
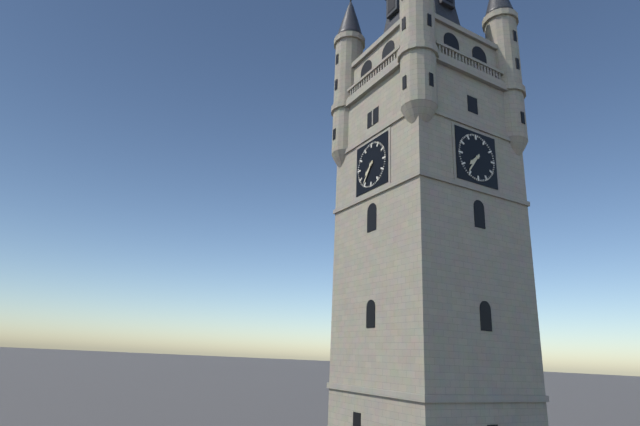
{"hour": 7, "minute": 36}
